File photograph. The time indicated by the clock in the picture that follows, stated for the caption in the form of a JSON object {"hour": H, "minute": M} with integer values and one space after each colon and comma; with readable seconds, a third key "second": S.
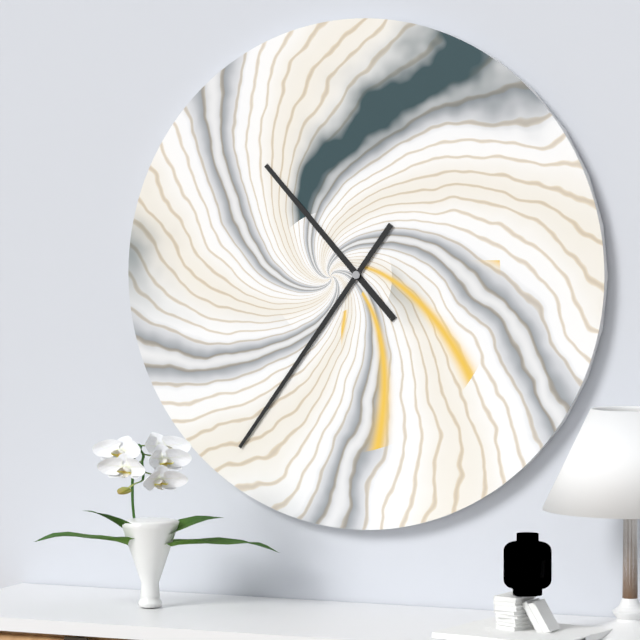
{"hour": 10, "minute": 36}
